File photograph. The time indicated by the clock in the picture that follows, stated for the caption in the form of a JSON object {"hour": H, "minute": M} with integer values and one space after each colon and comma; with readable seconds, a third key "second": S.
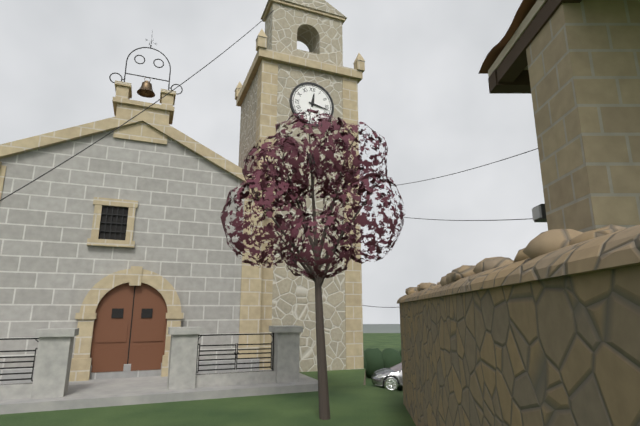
{"hour": 12, "minute": 17}
